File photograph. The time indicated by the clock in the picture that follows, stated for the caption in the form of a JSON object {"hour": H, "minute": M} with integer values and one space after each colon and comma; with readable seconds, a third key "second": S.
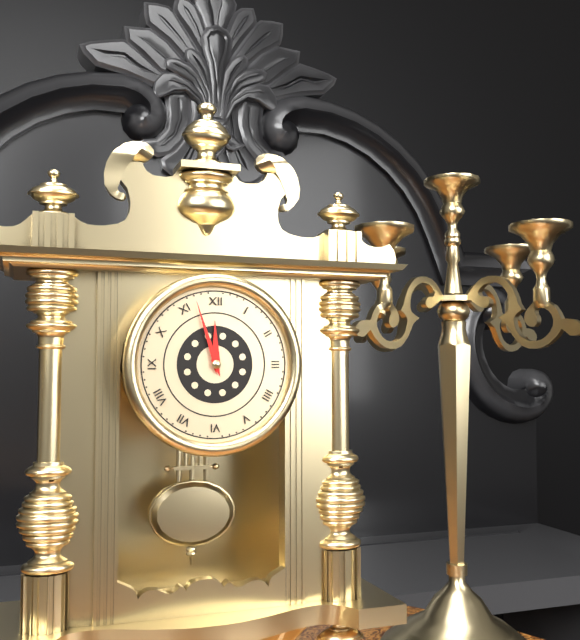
{"hour": 11, "minute": 57}
